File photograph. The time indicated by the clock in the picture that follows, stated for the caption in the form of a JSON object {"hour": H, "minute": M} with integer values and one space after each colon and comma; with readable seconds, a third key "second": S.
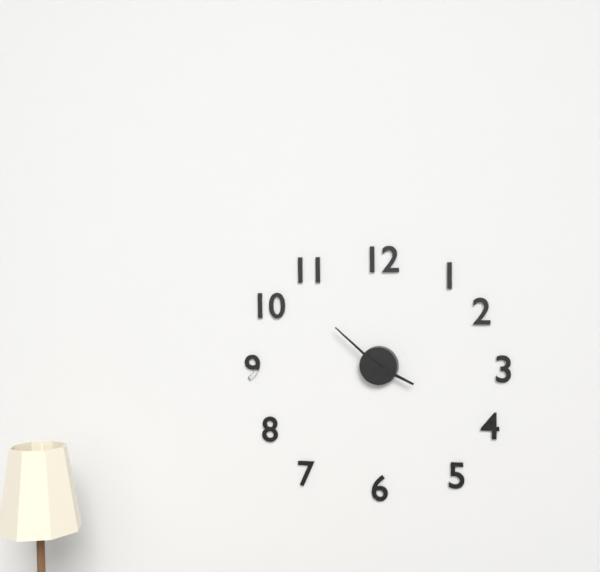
{"hour": 3, "minute": 52}
